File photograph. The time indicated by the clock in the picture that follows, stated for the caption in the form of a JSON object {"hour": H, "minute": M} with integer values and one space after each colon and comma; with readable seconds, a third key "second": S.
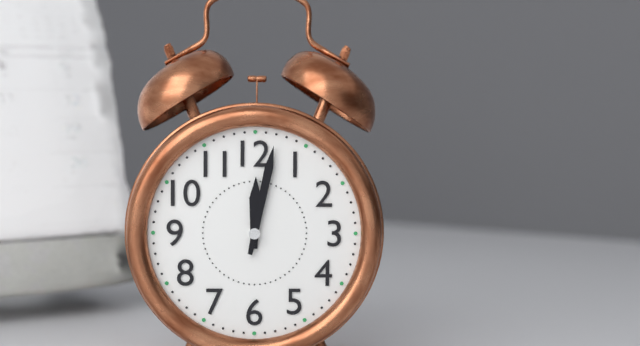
{"hour": 12, "minute": 2}
